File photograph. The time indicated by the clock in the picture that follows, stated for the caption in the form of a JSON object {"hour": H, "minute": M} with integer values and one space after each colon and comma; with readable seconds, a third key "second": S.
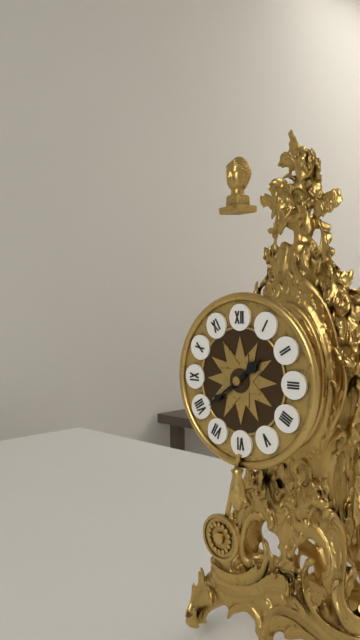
{"hour": 1, "minute": 39}
